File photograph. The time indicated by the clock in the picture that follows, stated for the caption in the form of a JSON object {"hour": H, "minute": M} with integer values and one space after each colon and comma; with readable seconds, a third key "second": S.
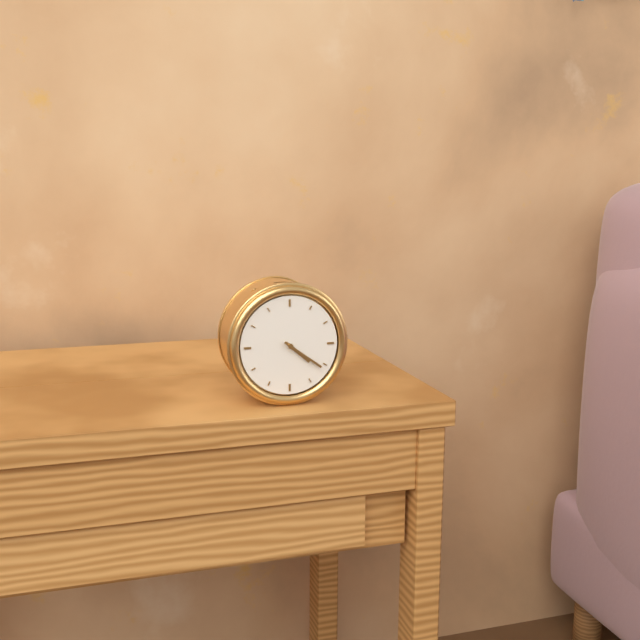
{"hour": 4, "minute": 21}
